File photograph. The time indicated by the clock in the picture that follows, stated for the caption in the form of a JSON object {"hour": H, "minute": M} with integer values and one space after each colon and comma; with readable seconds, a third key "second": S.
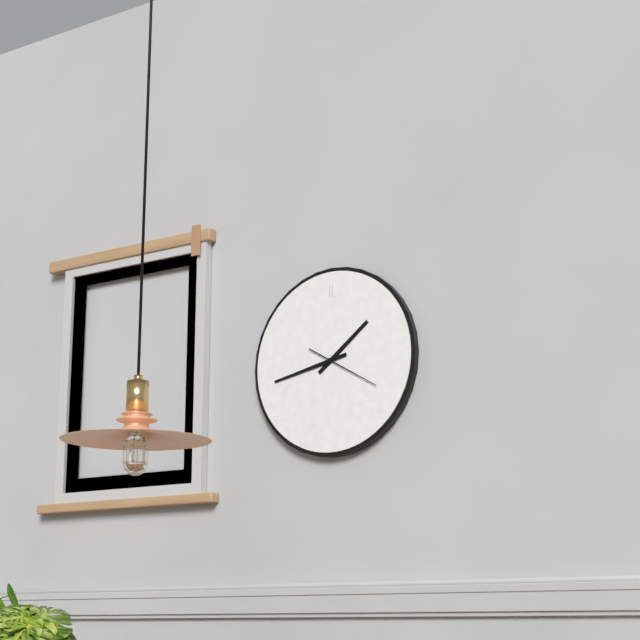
{"hour": 1, "minute": 43, "second": 20}
